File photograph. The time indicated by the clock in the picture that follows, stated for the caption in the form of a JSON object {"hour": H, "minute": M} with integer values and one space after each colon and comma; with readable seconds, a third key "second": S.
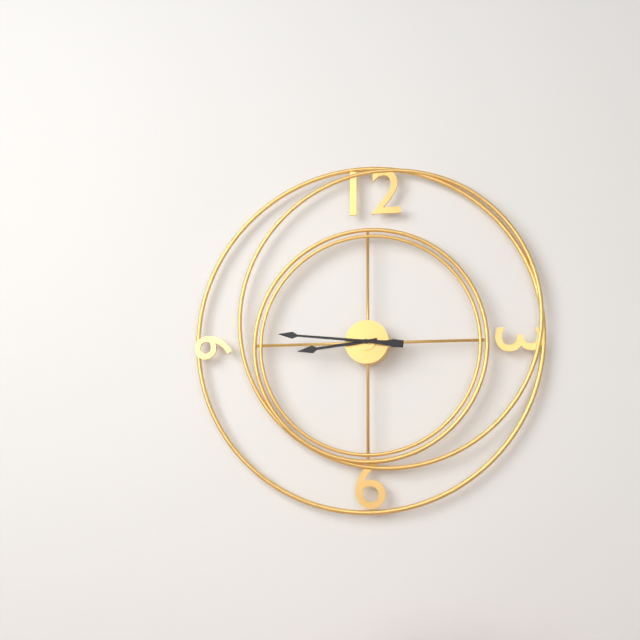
{"hour": 8, "minute": 46}
